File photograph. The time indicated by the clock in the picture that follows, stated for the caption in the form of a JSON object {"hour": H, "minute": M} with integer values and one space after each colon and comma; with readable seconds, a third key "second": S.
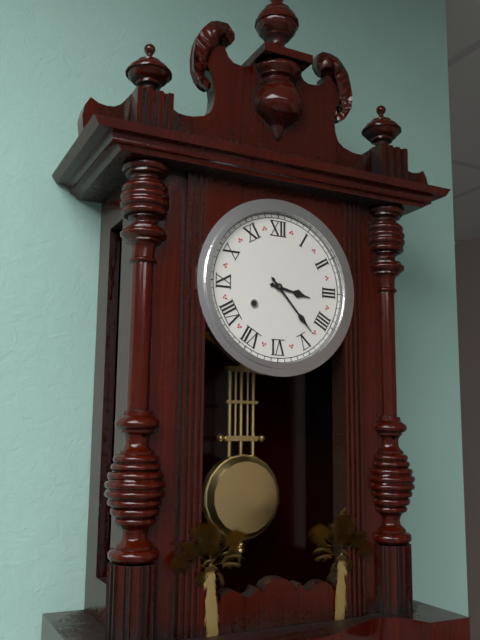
{"hour": 3, "minute": 23}
